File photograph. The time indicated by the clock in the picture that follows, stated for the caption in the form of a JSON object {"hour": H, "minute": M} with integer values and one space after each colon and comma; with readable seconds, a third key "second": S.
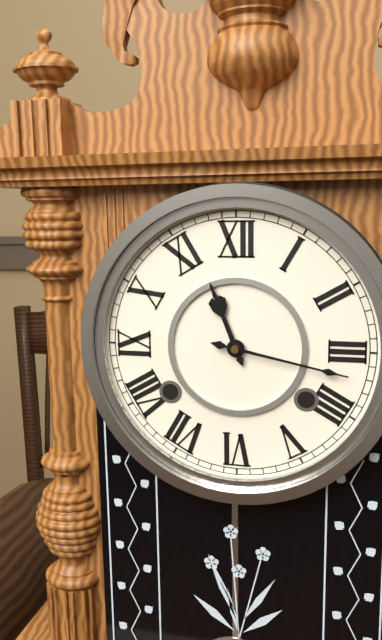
{"hour": 11, "minute": 17}
